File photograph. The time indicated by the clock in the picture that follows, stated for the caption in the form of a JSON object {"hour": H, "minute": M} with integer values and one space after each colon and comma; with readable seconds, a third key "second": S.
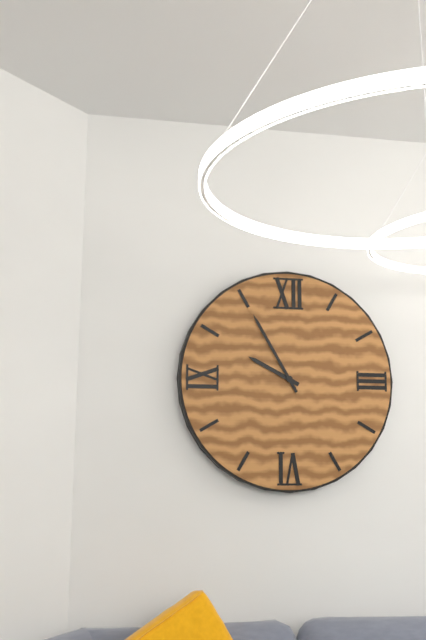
{"hour": 9, "minute": 55}
